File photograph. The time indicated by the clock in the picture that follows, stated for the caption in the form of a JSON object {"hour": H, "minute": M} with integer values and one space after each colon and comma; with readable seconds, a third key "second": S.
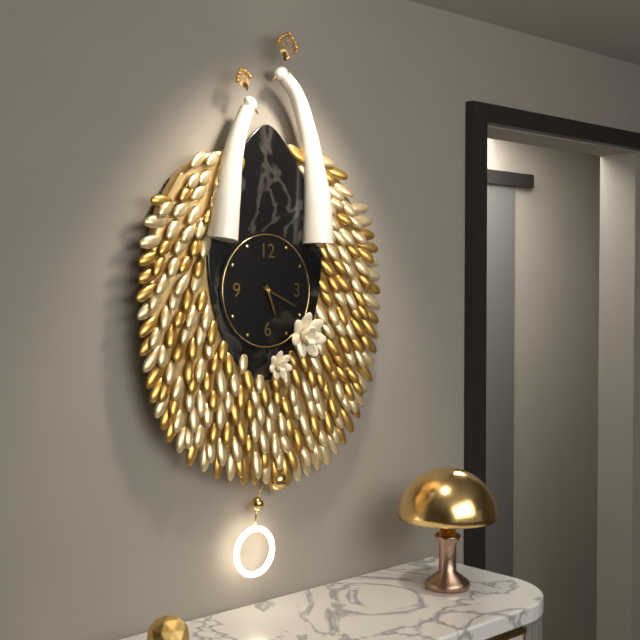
{"hour": 5, "minute": 19}
